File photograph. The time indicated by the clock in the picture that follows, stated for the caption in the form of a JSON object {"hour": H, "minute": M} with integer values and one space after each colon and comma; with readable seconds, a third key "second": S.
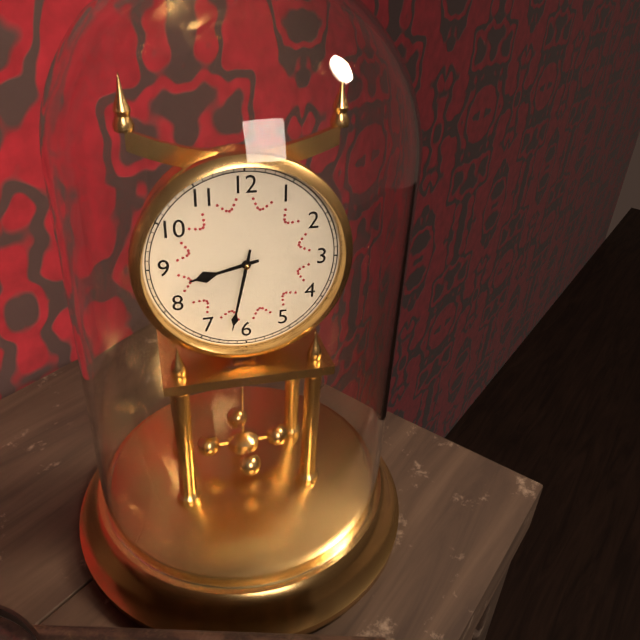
{"hour": 8, "minute": 32}
